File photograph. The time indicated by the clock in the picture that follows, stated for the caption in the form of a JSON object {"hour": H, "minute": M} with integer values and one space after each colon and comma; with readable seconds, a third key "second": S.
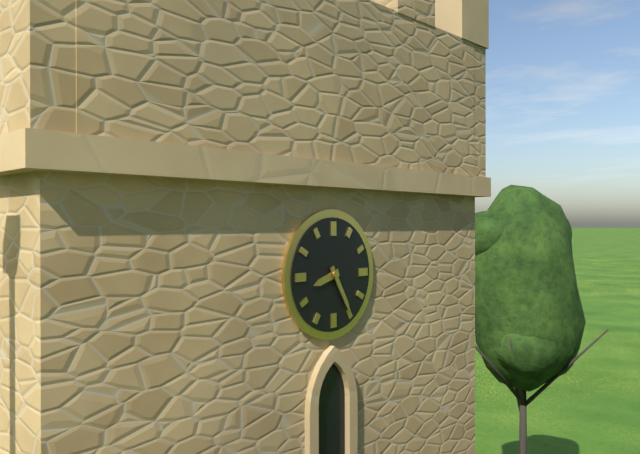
{"hour": 8, "minute": 25}
